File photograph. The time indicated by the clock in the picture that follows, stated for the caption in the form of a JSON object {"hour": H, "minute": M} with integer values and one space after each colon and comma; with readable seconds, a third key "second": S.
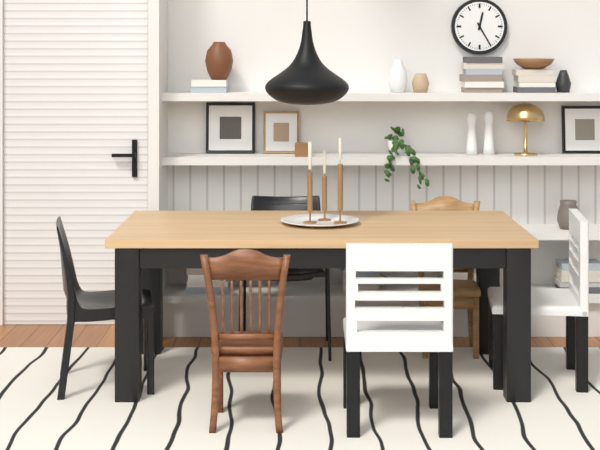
{"hour": 12, "minute": 25}
